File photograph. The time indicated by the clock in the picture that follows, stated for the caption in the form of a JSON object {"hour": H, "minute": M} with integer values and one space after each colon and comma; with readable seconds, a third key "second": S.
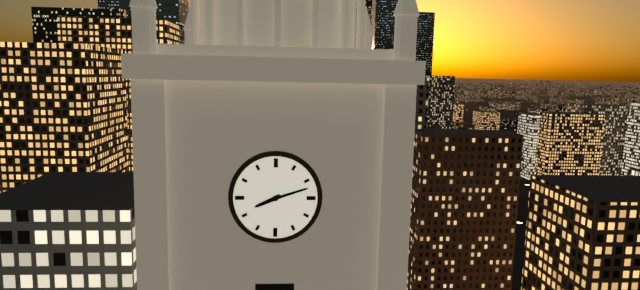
{"hour": 8, "minute": 12}
